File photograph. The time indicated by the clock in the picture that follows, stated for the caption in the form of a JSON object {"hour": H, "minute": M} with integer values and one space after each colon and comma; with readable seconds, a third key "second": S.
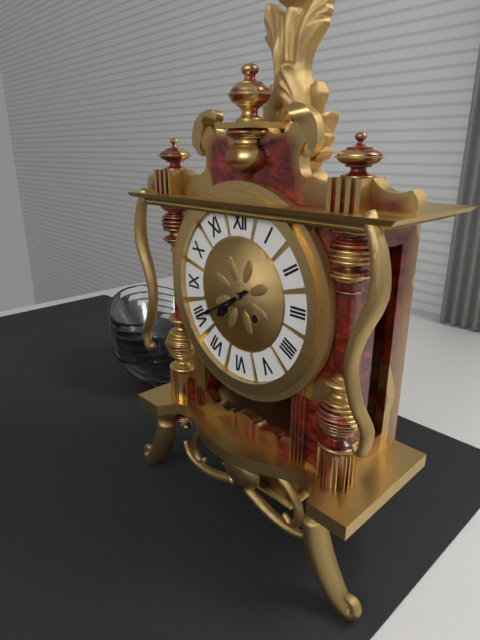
{"hour": 7, "minute": 40}
